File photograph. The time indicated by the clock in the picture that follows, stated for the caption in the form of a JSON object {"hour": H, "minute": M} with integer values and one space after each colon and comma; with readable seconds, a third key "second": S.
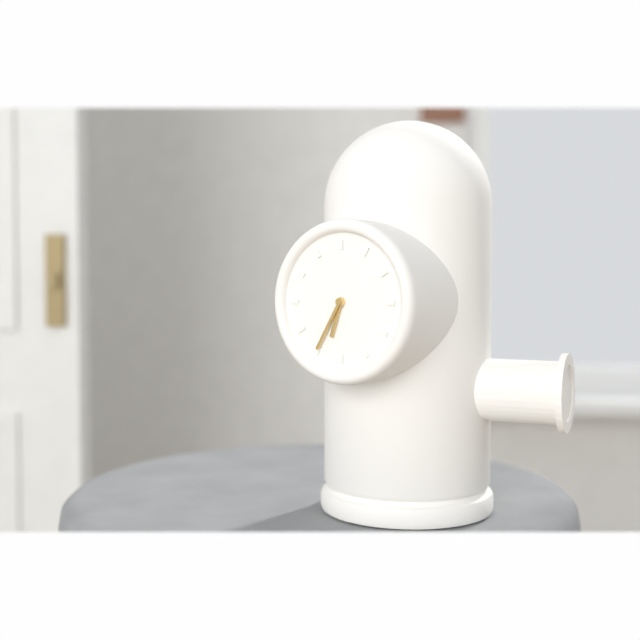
{"hour": 6, "minute": 35}
